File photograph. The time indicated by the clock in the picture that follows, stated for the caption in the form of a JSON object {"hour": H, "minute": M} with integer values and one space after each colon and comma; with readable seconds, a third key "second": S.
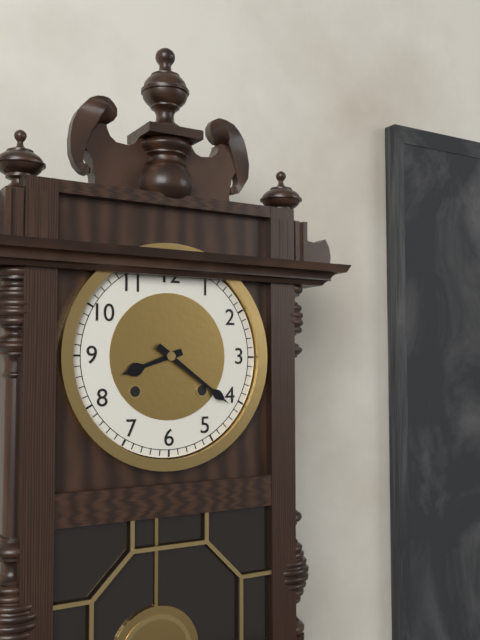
{"hour": 8, "minute": 21}
